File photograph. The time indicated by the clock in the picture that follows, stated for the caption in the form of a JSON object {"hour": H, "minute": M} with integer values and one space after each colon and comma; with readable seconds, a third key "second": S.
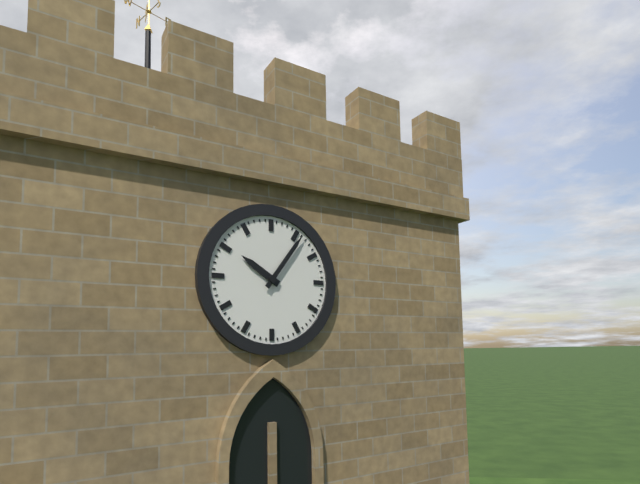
{"hour": 10, "minute": 6}
